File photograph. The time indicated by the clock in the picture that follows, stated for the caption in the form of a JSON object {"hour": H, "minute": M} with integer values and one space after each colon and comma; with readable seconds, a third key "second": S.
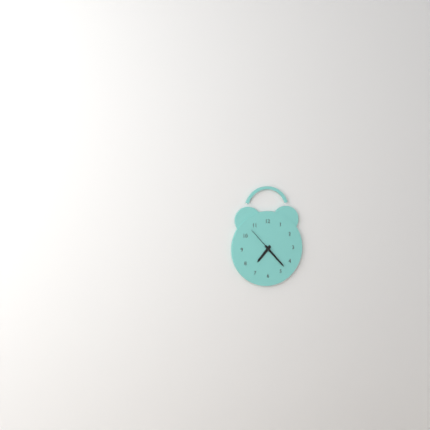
{"hour": 7, "minute": 23}
